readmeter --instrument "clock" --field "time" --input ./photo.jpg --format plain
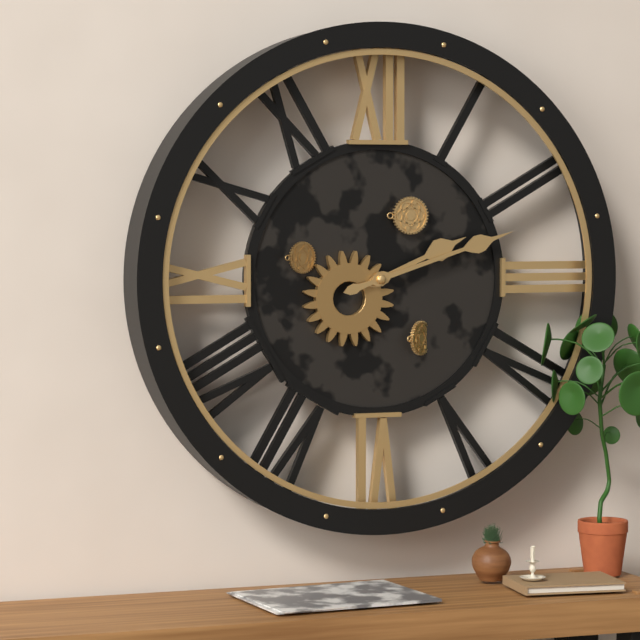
2:12
